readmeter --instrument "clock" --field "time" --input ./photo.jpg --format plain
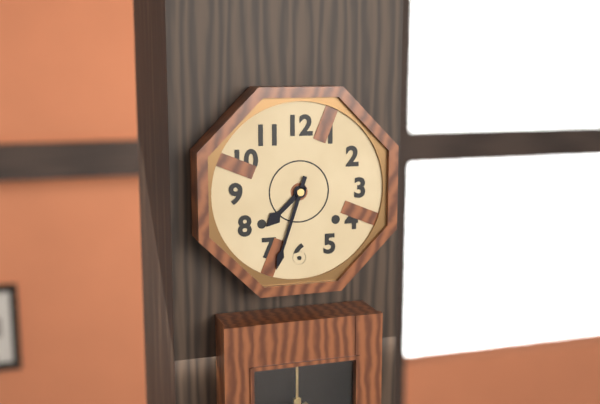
7:33
